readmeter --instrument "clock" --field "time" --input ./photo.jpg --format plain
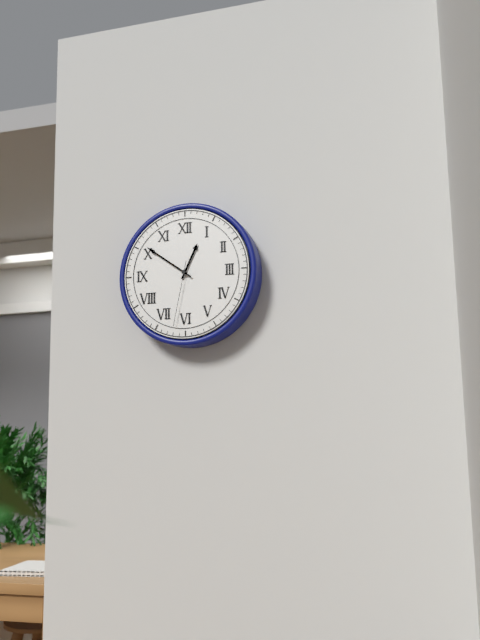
12:51:32
